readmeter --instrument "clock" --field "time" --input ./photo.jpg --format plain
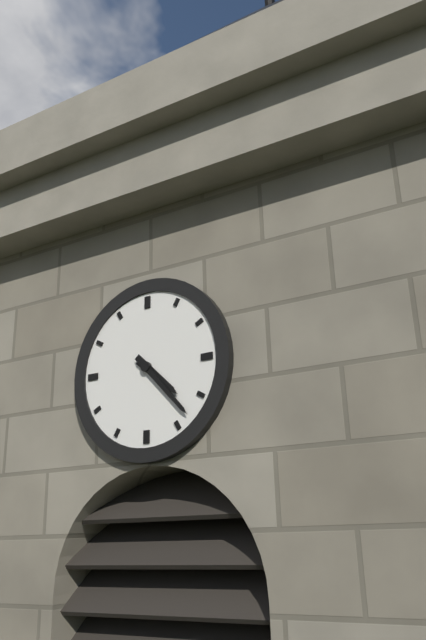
4:23
